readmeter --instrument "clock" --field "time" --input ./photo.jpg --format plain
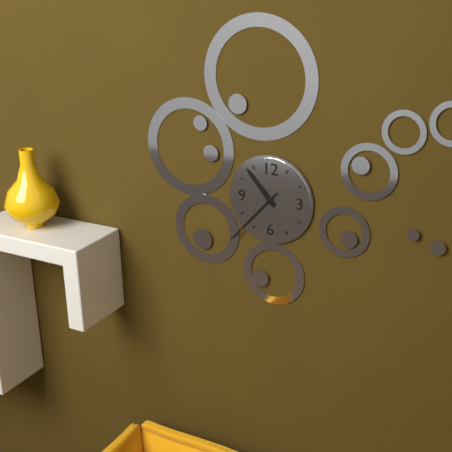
10:37
